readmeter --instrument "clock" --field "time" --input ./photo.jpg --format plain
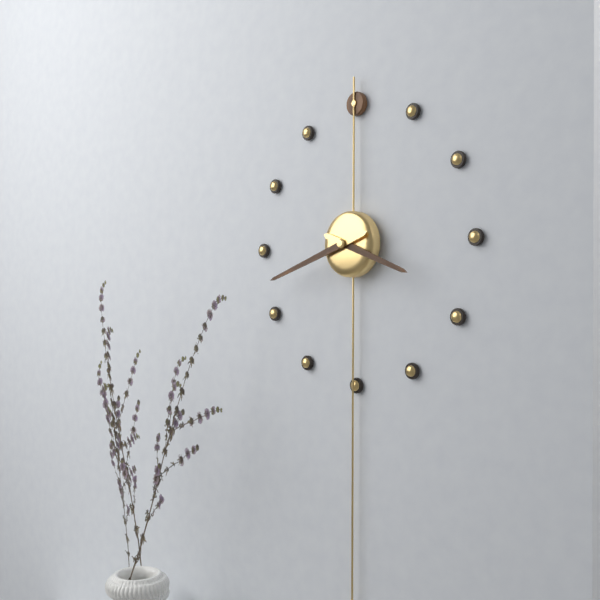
3:42
